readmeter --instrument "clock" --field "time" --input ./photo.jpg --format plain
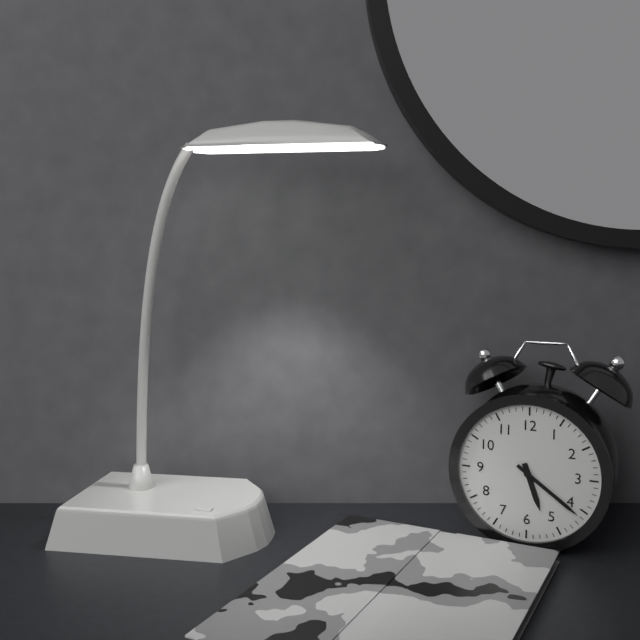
5:21
